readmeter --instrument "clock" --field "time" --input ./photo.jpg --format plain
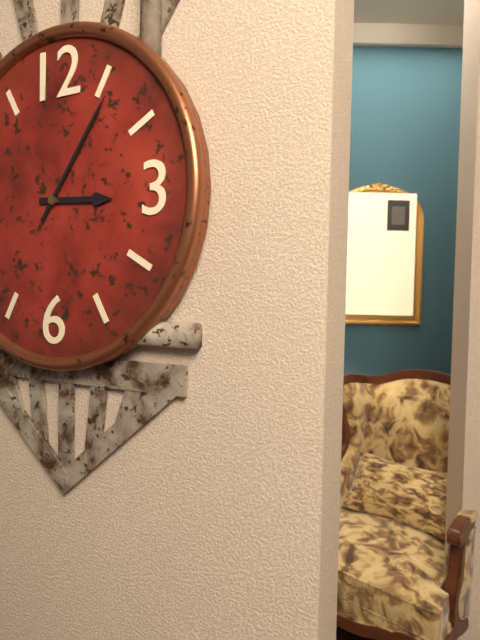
3:06
